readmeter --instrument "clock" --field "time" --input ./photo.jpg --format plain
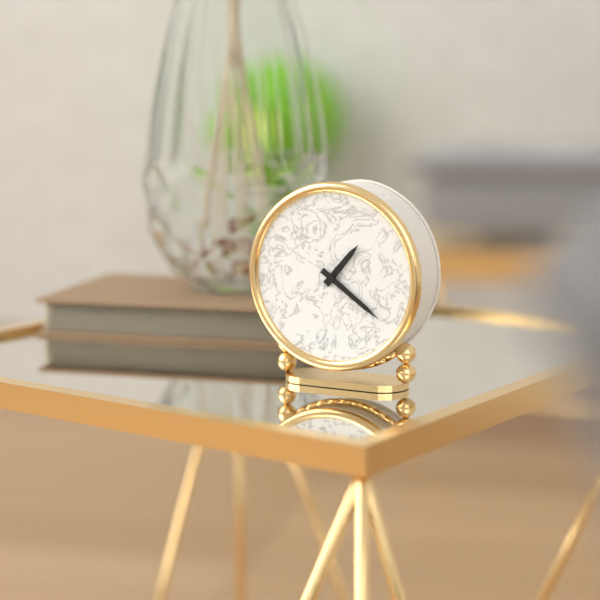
1:21
